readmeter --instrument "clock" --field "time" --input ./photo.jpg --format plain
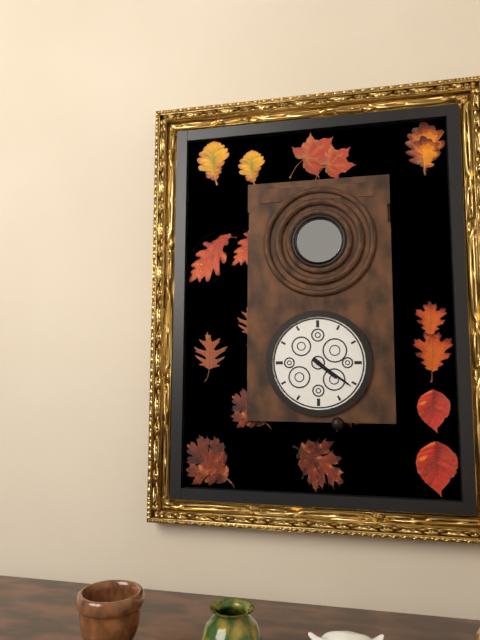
4:21
